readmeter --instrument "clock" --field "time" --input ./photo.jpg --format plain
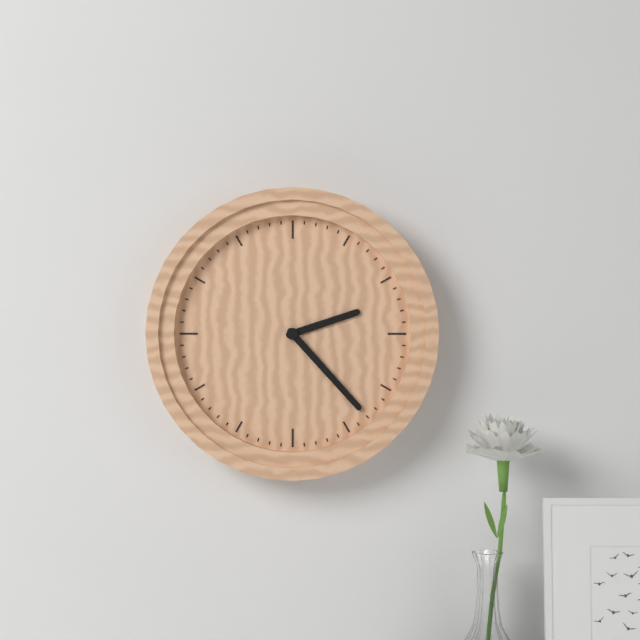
2:23
